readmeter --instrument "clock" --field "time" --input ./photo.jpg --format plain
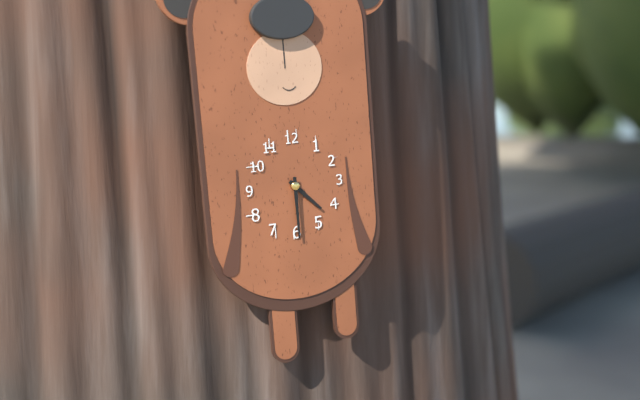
4:30
